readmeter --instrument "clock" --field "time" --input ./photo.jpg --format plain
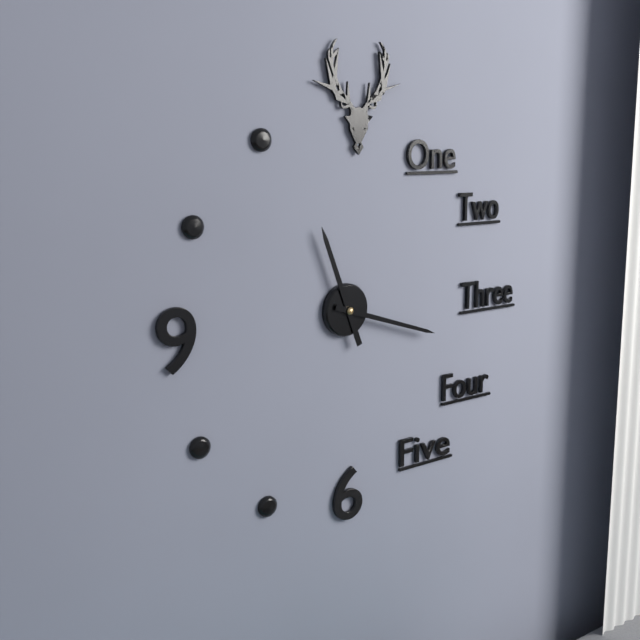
11:18
